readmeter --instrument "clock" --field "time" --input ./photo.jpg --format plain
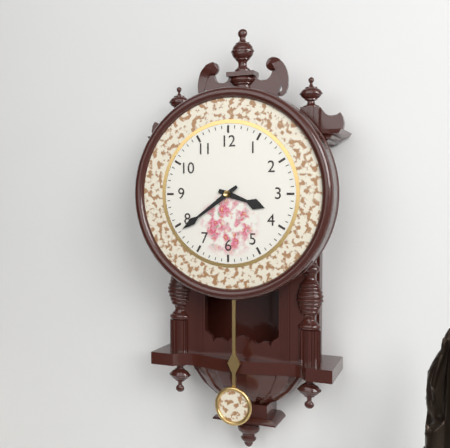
3:39
